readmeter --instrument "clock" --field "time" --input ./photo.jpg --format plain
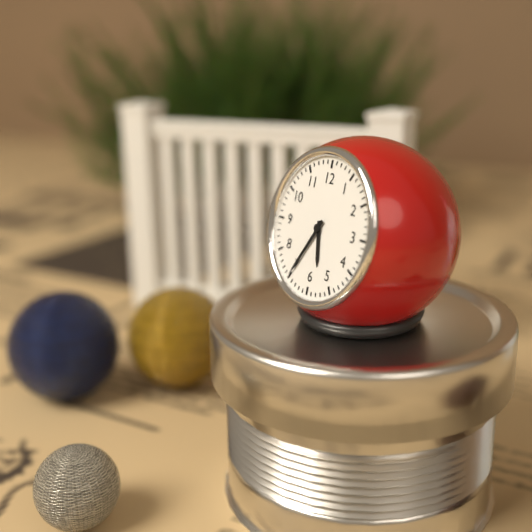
5:35
